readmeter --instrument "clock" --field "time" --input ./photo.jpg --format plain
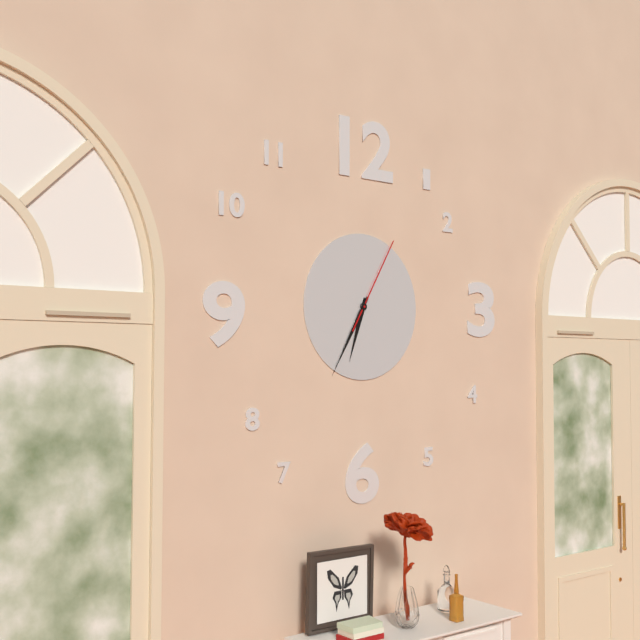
6:35:05
